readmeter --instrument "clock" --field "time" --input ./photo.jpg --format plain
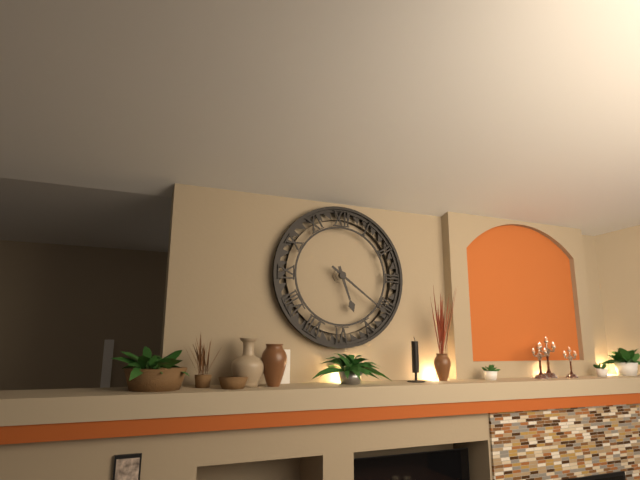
5:21
